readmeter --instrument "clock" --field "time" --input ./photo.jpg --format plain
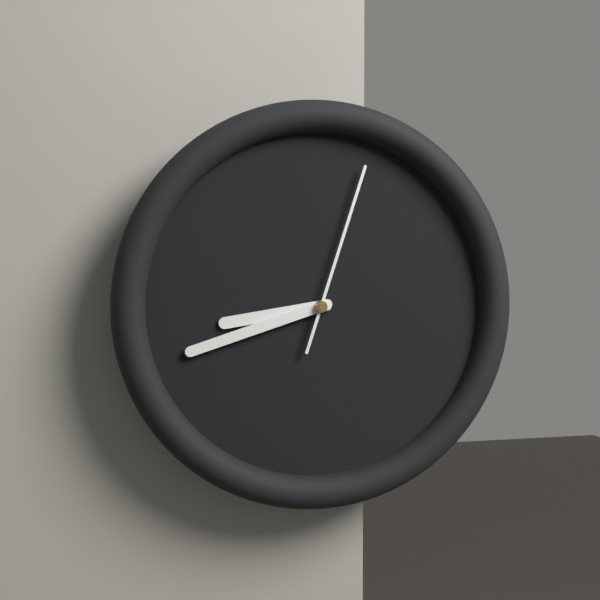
8:42:03
